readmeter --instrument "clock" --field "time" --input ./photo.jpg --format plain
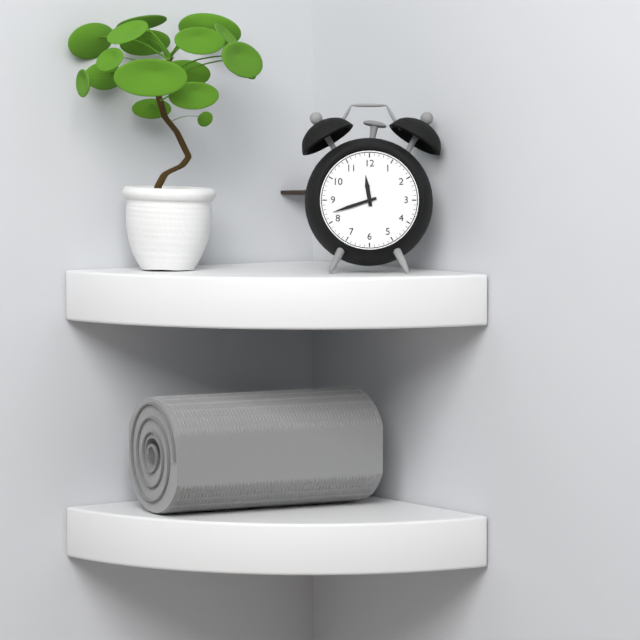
11:42
